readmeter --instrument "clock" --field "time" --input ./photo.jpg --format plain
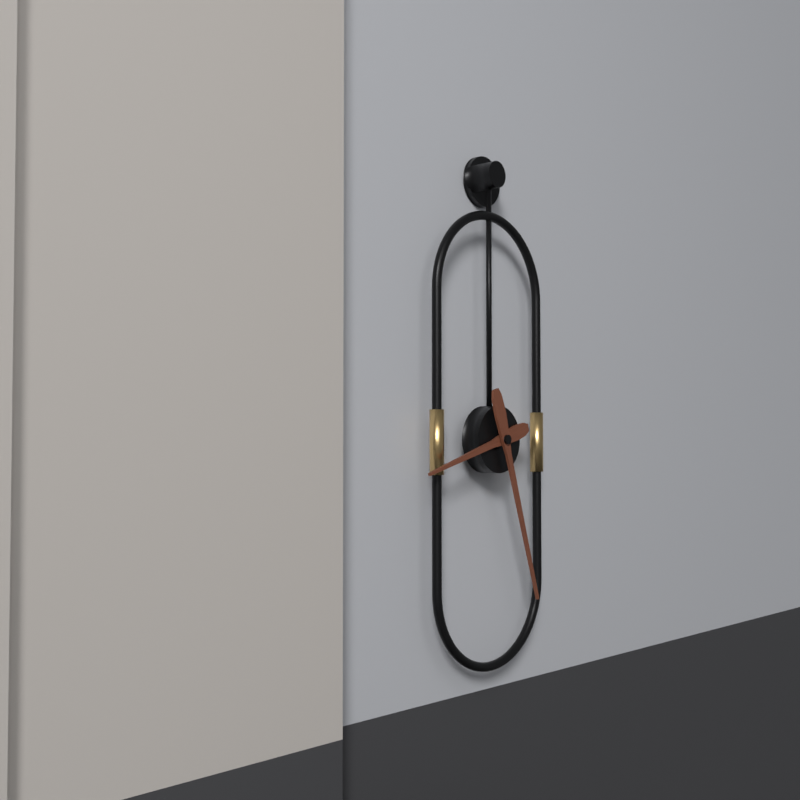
8:27
